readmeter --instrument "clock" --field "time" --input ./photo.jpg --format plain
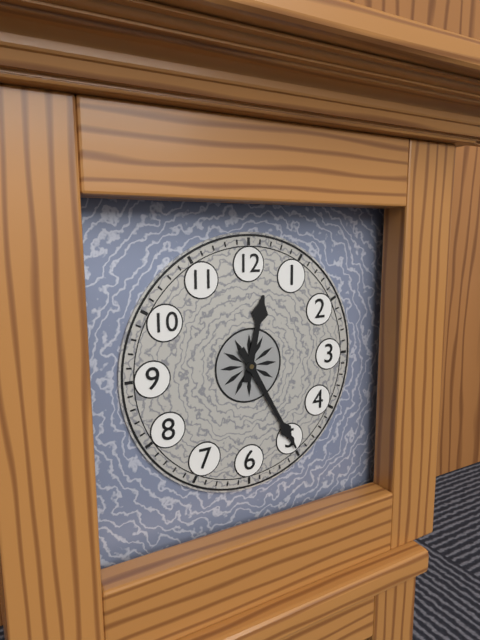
12:25
